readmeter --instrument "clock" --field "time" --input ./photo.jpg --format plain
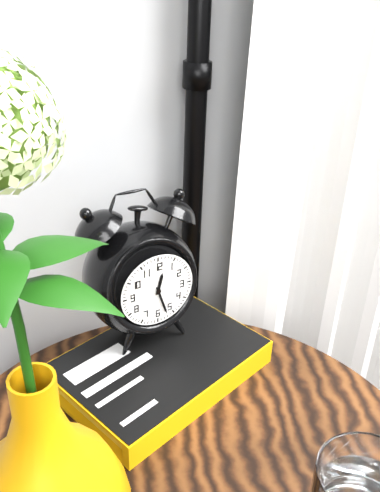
12:27
